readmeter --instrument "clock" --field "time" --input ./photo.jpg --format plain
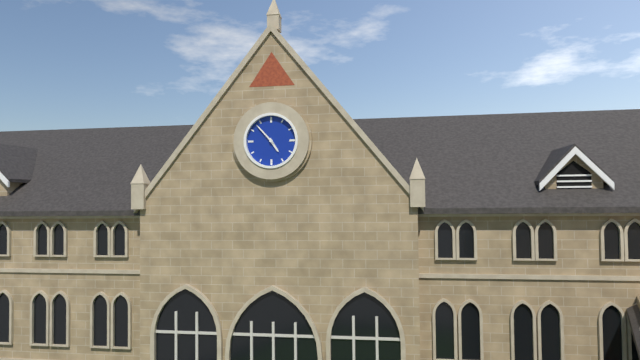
4:53
